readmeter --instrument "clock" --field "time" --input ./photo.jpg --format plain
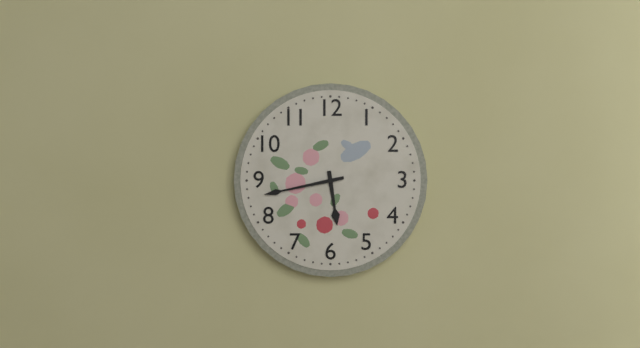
5:43
